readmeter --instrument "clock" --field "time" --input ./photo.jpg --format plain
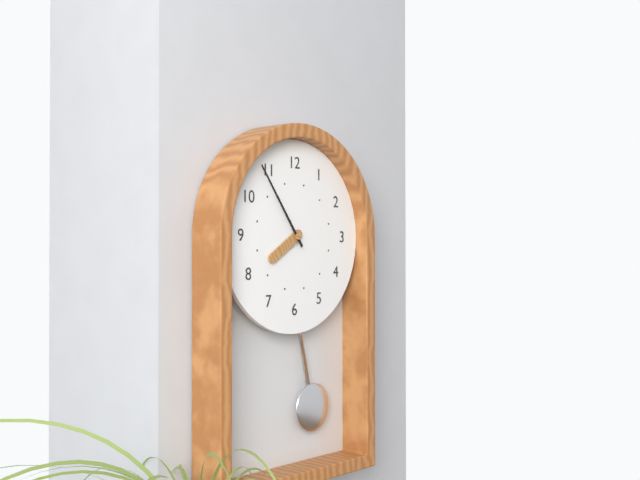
7:54
